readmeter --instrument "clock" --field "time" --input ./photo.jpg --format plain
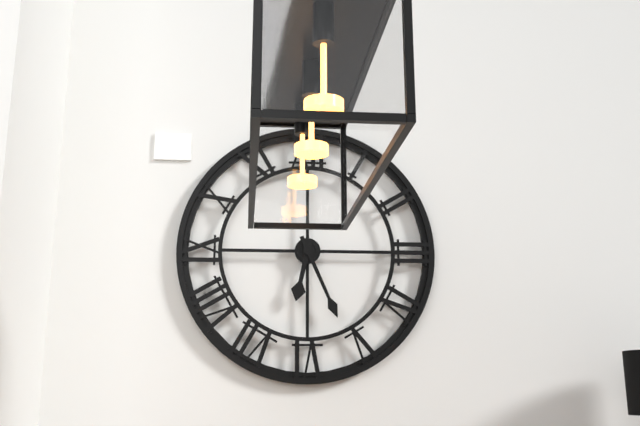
6:26
